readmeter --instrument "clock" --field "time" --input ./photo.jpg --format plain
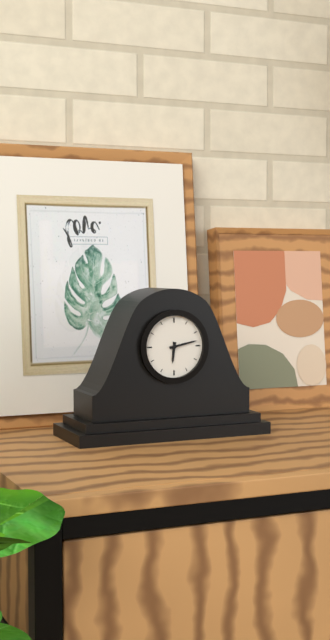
6:13
